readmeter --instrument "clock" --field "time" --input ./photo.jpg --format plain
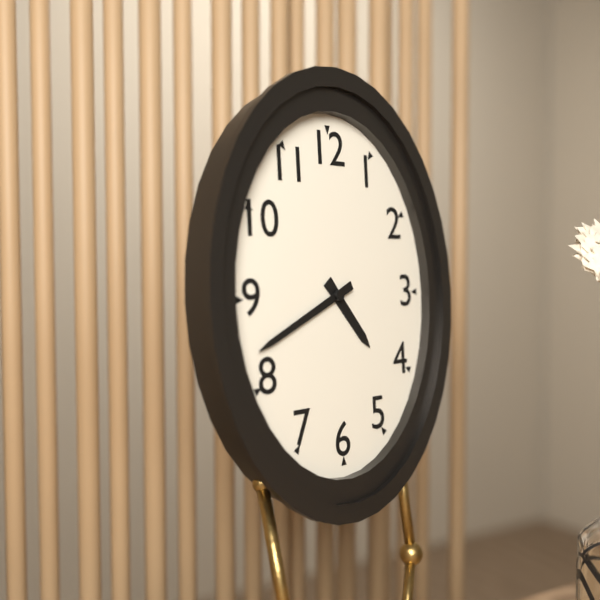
4:41
